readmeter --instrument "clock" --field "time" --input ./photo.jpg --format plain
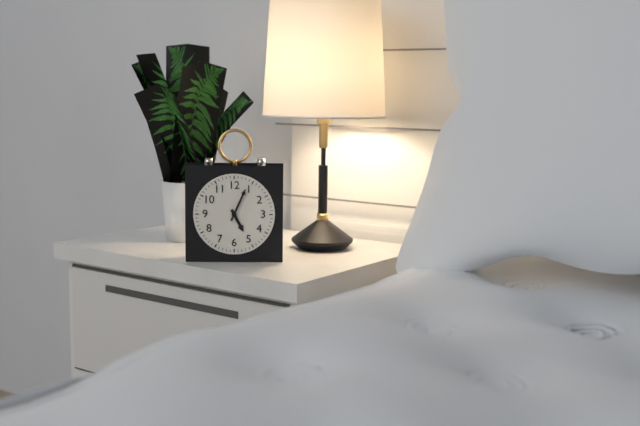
5:04
